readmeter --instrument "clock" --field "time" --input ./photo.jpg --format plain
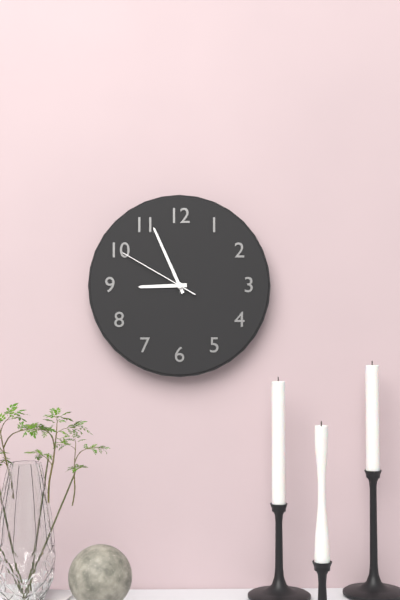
8:56:50
